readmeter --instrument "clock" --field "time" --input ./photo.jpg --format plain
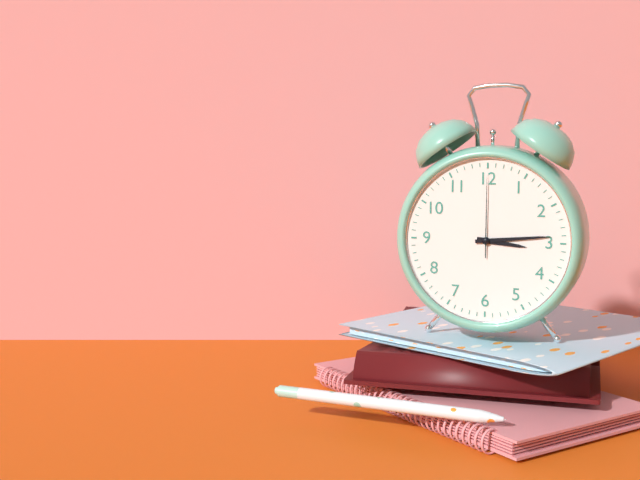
3:14:00
